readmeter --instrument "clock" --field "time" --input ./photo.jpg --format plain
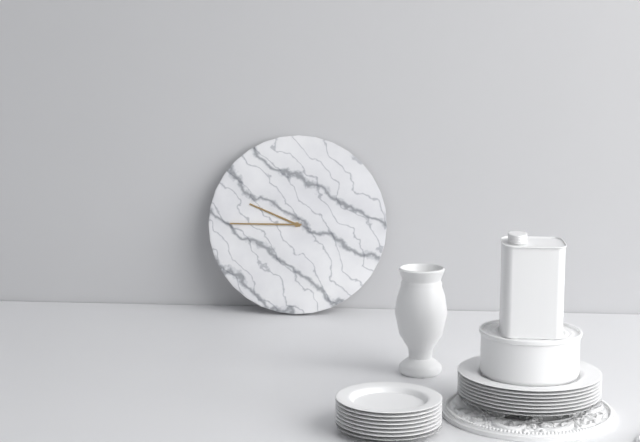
9:45
